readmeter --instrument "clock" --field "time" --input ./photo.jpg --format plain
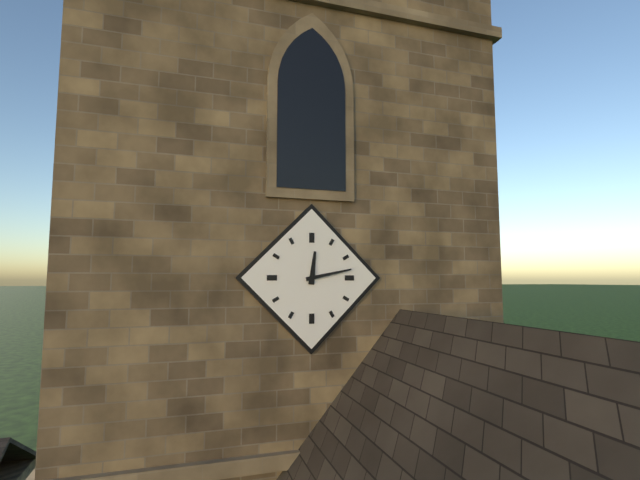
12:13
